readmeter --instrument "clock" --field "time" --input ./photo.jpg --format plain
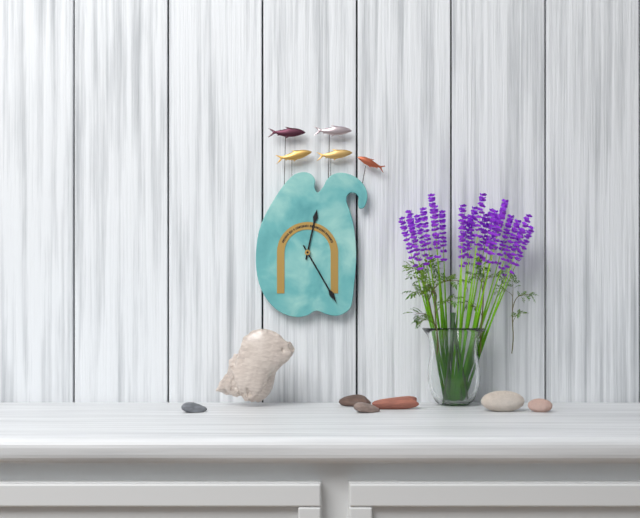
12:25
